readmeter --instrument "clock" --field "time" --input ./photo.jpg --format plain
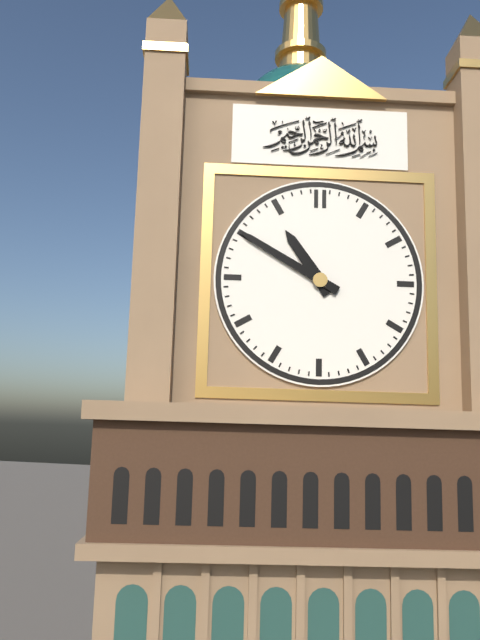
10:50
